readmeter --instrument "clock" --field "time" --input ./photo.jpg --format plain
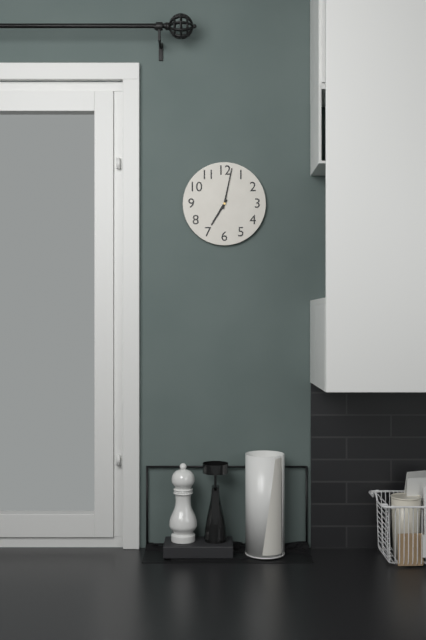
7:02
